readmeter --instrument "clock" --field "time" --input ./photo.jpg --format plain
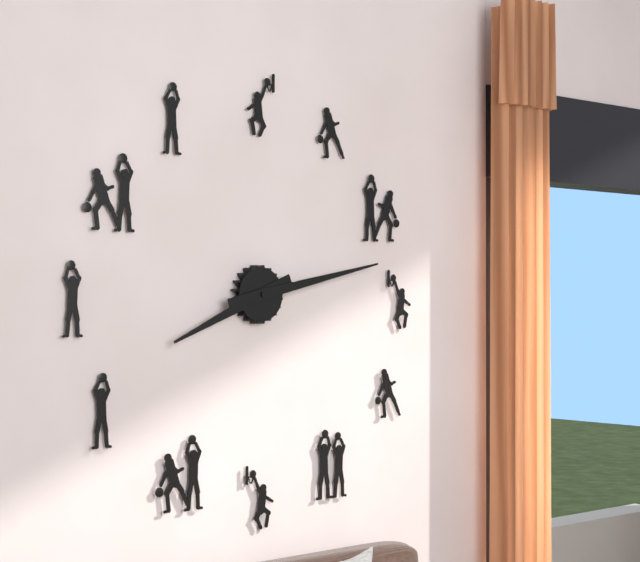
8:13
